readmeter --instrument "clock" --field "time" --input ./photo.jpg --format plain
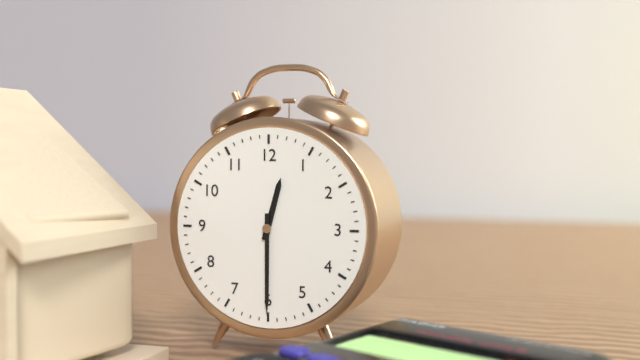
12:30
